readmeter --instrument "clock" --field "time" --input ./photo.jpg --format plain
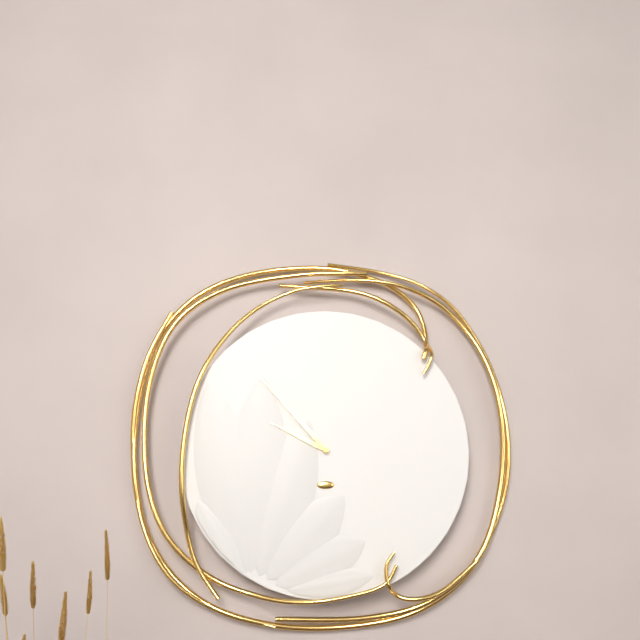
9:53
